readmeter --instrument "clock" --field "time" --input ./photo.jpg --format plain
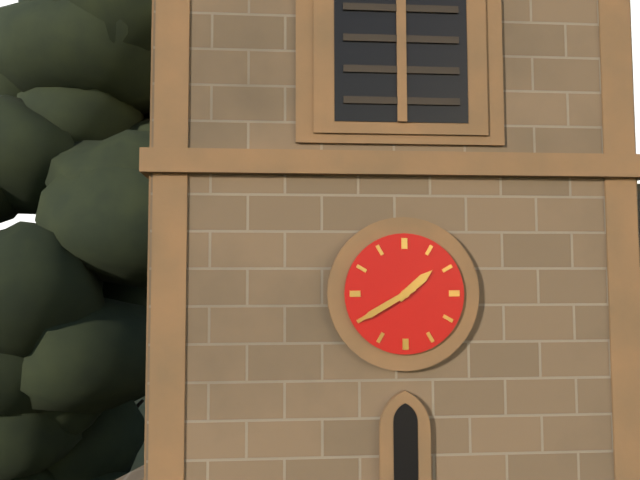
1:40
